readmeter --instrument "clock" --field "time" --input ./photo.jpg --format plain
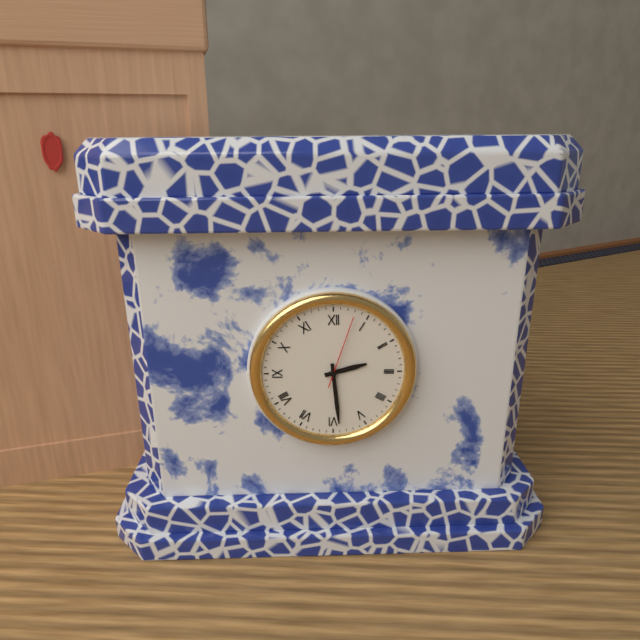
2:29
